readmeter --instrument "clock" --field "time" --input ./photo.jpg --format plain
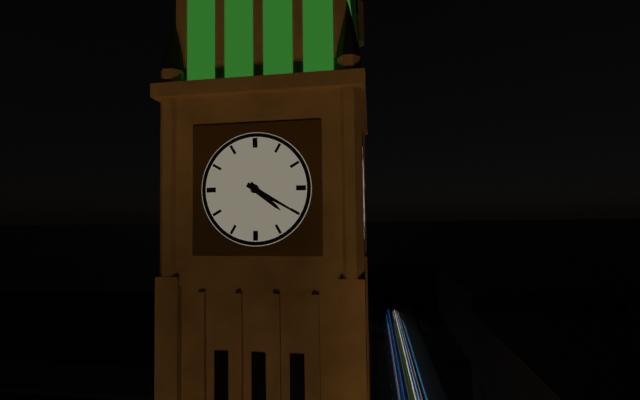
4:20
